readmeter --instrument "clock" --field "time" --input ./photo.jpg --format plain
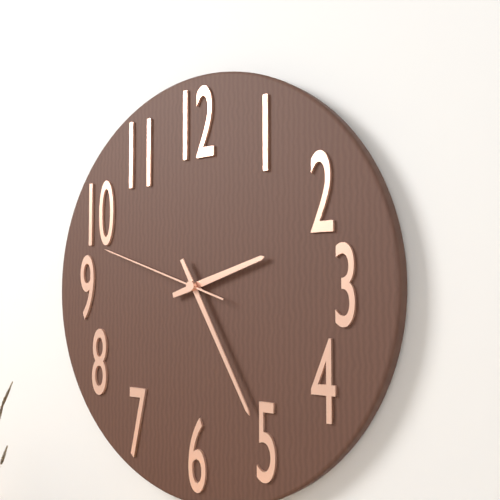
2:25:48
